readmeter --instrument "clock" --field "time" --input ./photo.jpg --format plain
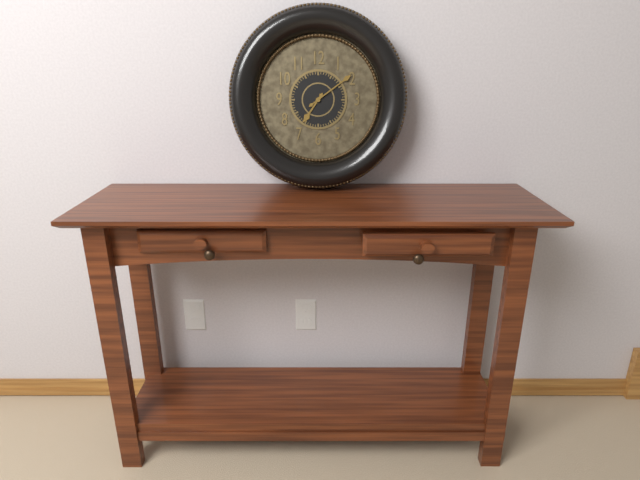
7:09
